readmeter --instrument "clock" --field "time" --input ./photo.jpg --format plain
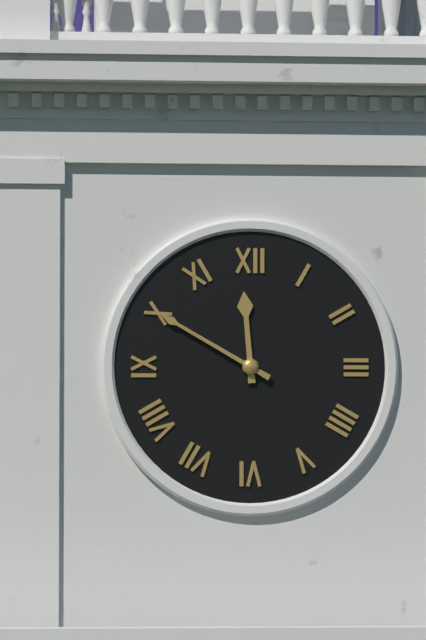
11:50
